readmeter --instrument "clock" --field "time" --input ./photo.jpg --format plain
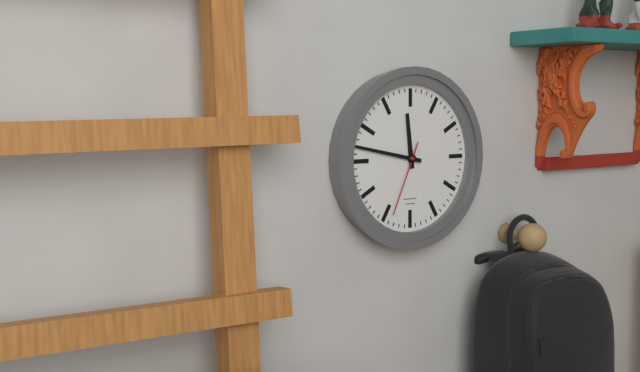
11:47:34
